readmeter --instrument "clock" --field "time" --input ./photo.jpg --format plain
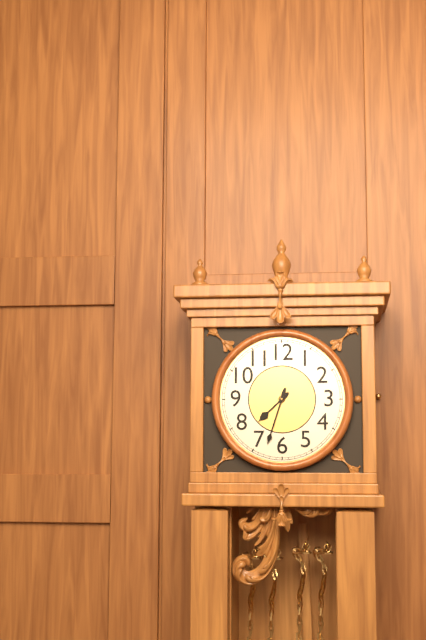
7:33
